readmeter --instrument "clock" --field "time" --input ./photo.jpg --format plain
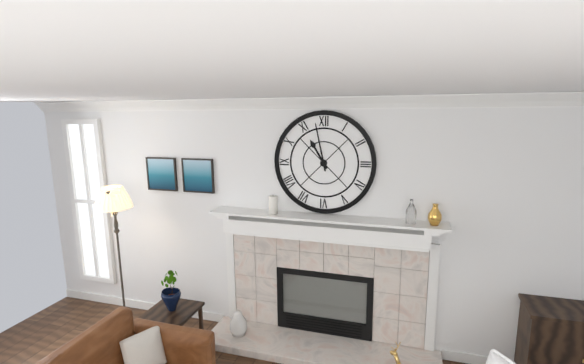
10:58
